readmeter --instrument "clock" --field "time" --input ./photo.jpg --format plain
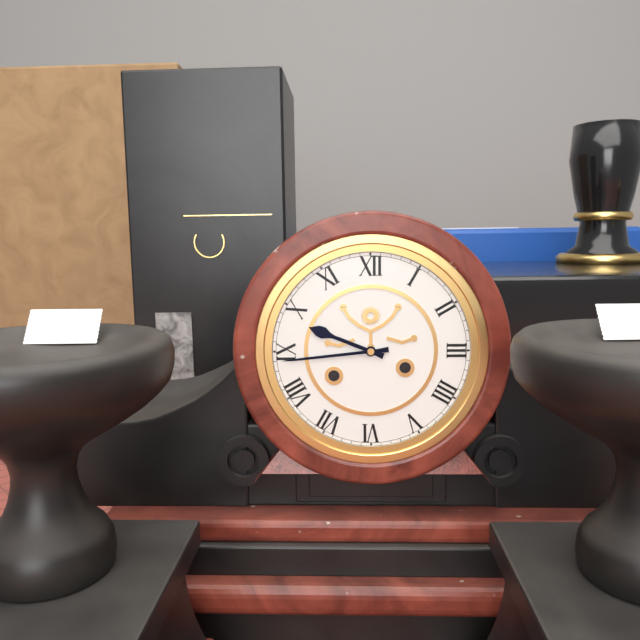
9:44
